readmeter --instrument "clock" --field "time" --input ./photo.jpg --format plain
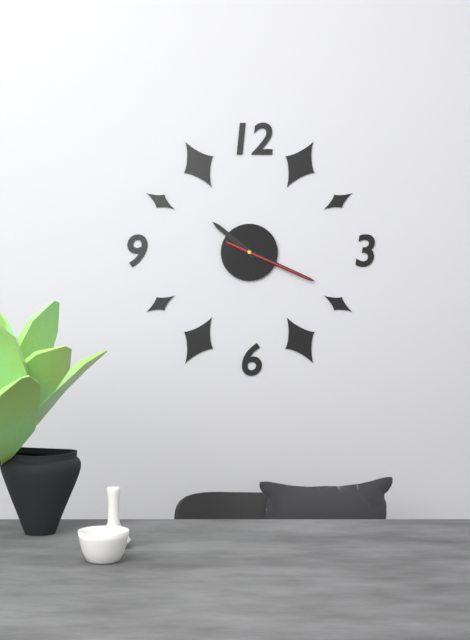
10:19:19
